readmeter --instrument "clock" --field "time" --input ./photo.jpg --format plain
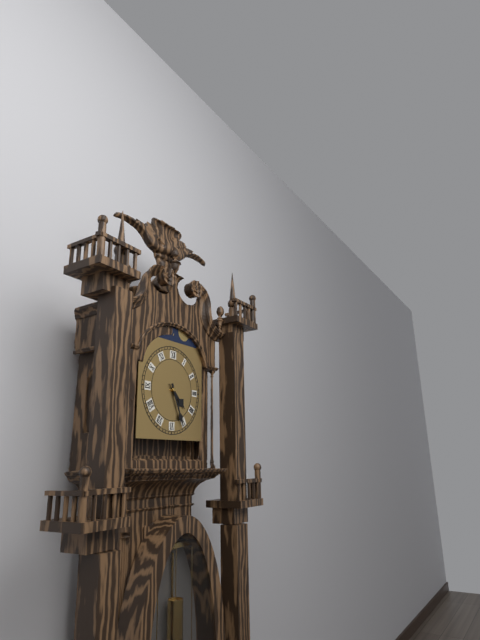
4:26
